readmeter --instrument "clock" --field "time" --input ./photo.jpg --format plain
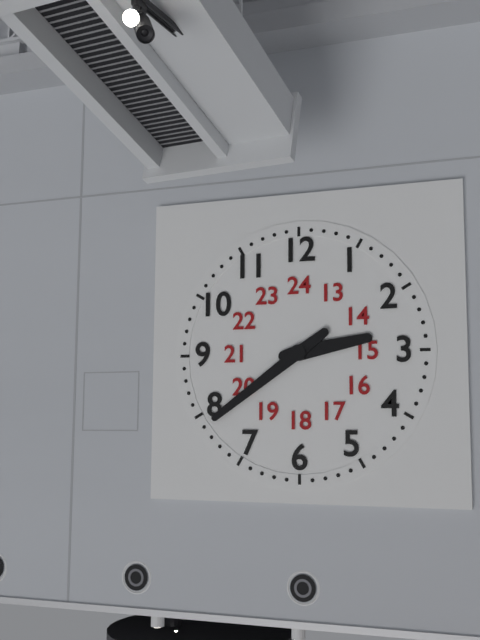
2:39
